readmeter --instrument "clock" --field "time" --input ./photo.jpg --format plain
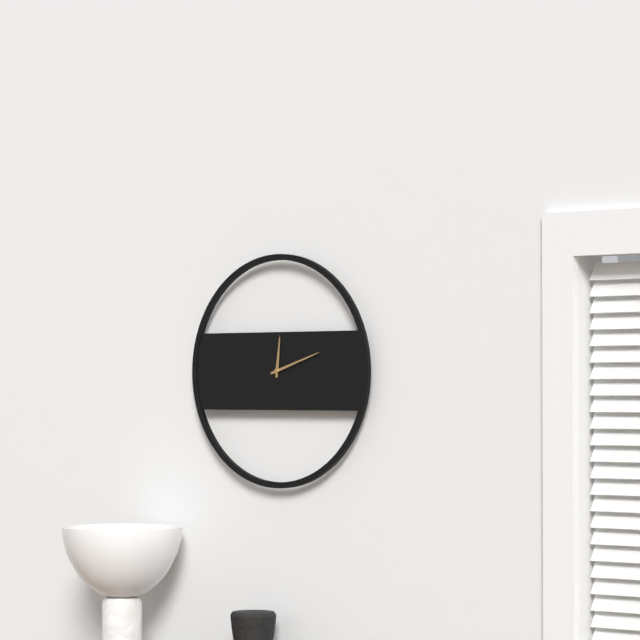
12:12
